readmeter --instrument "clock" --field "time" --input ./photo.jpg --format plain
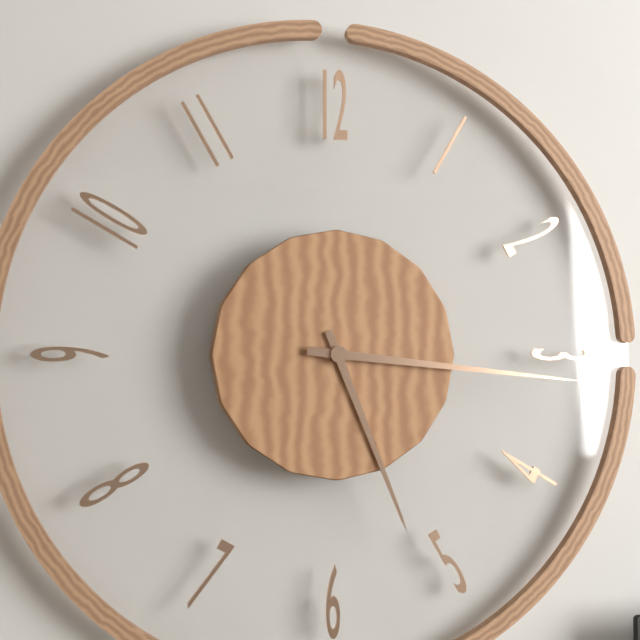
5:16
